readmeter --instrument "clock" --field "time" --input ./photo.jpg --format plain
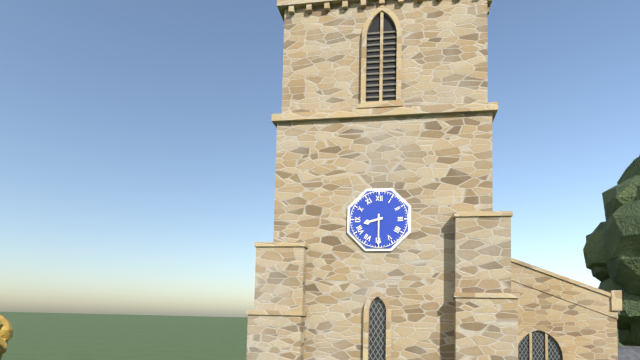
8:30
